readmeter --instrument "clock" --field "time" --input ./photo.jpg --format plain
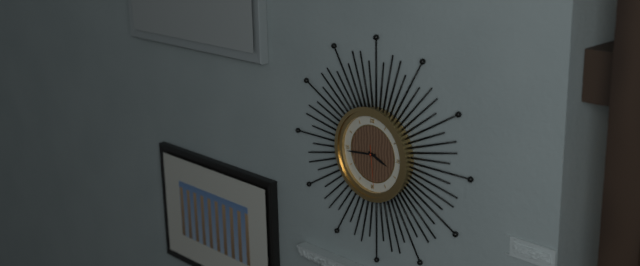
3:44
